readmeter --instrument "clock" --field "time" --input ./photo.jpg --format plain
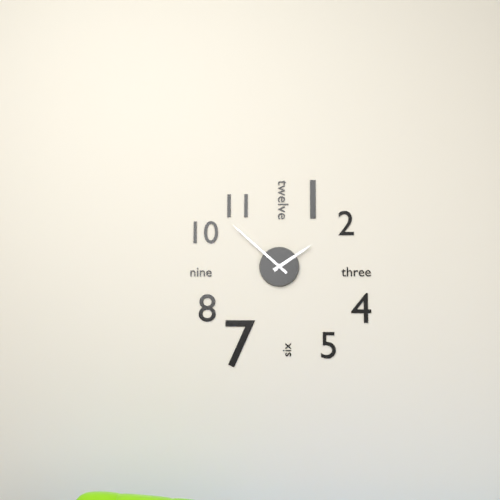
1:52
